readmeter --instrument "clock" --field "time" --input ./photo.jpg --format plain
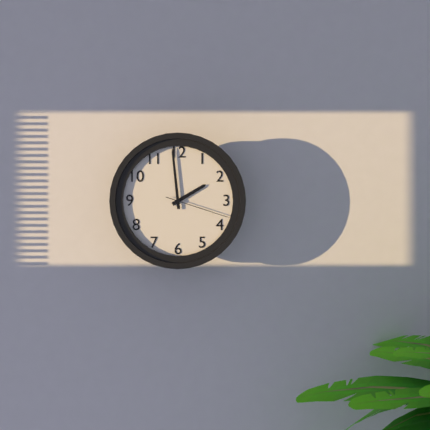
1:59:18
